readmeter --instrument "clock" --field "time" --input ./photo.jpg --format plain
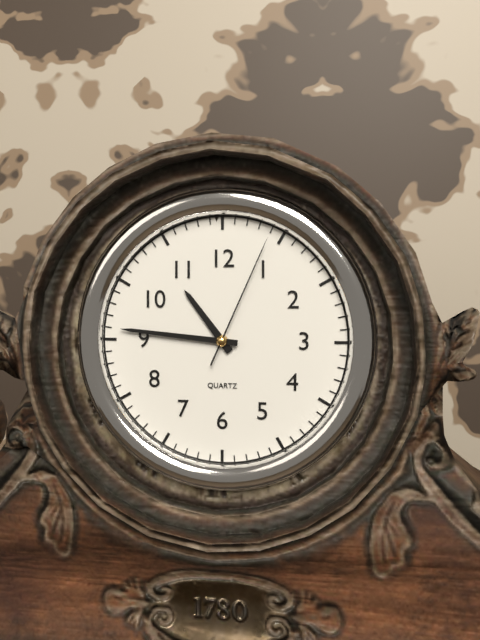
10:46:04
